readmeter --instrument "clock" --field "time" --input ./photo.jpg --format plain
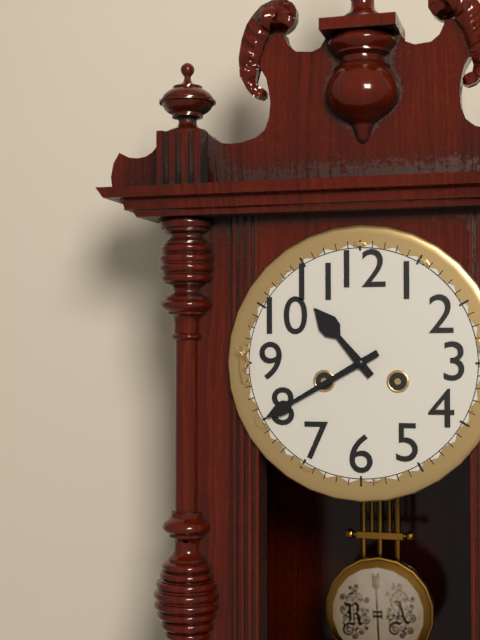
10:40
